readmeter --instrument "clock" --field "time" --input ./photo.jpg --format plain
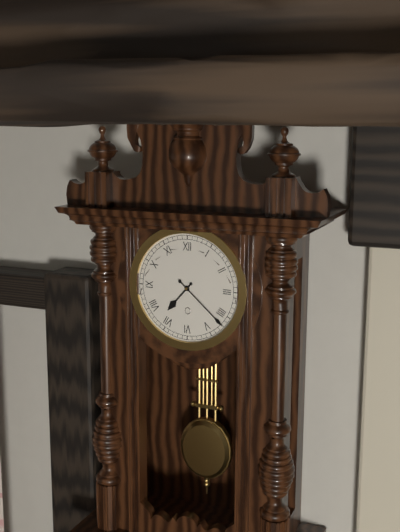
7:22
